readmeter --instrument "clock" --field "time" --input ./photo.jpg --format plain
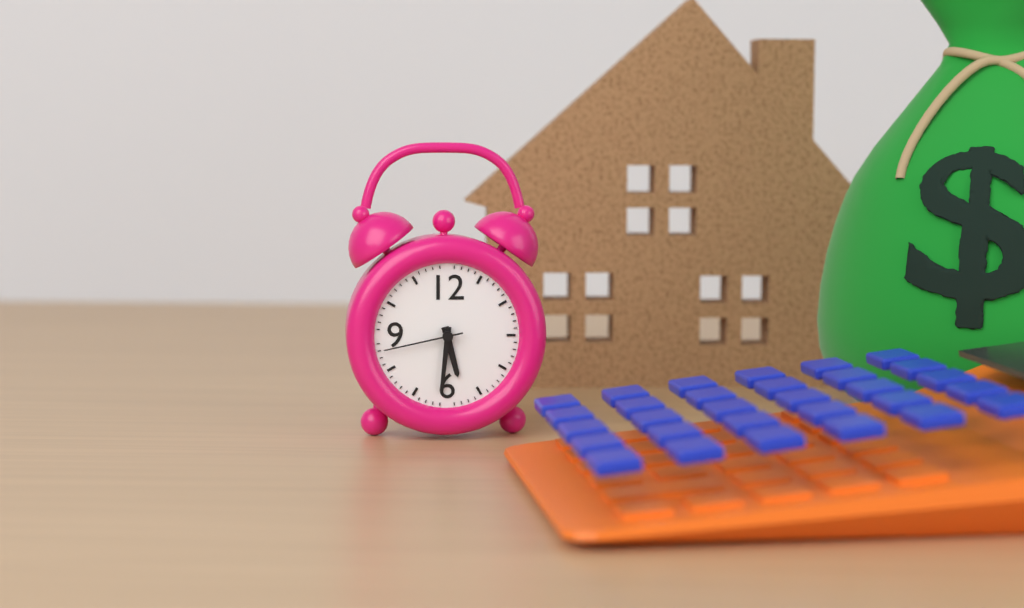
5:31:43
